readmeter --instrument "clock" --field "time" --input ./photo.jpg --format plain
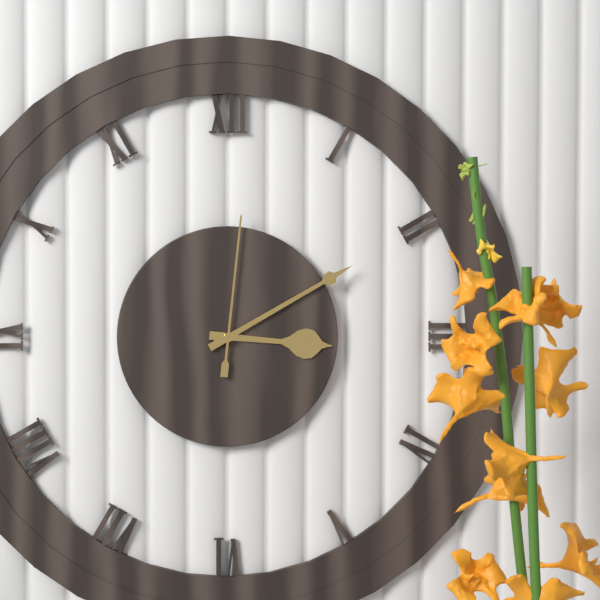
3:10:01
